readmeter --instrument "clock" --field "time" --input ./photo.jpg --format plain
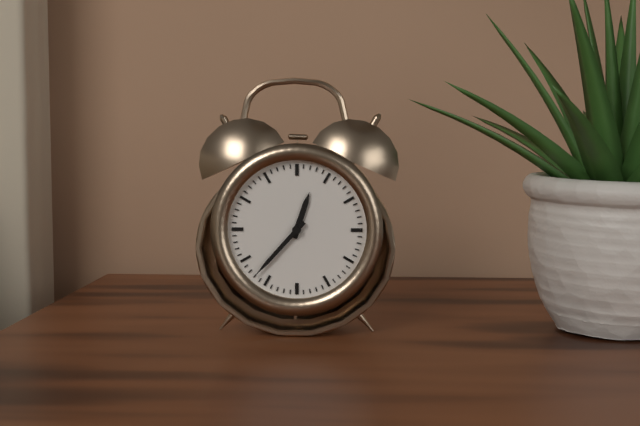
12:37
